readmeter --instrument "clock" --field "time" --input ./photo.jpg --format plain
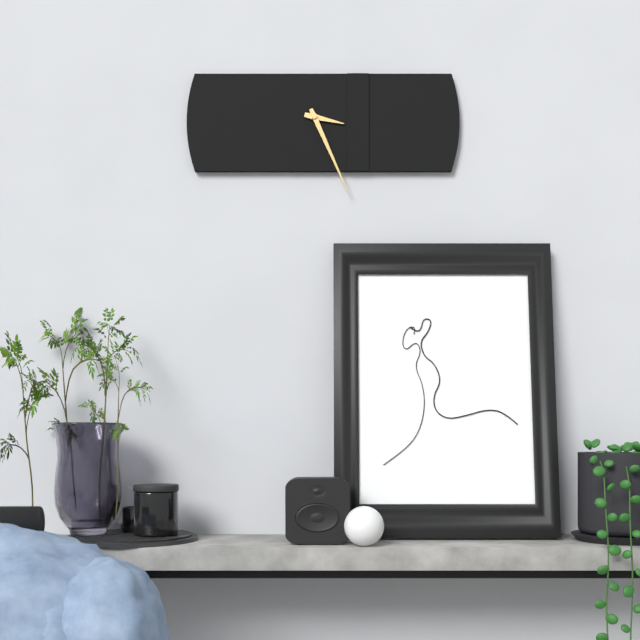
3:26
